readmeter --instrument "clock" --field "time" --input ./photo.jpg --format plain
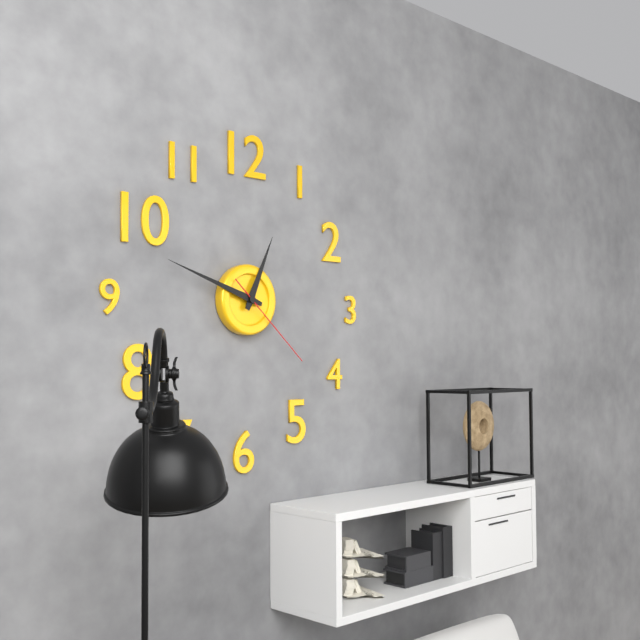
12:48:22
